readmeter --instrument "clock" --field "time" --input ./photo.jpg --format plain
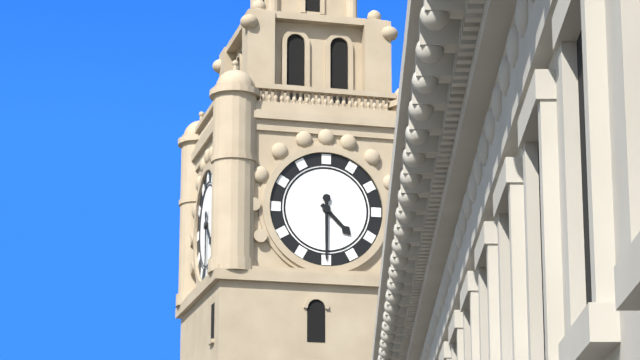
4:30
